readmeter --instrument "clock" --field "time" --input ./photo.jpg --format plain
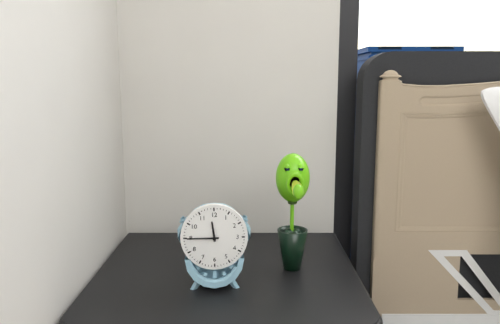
11:45
